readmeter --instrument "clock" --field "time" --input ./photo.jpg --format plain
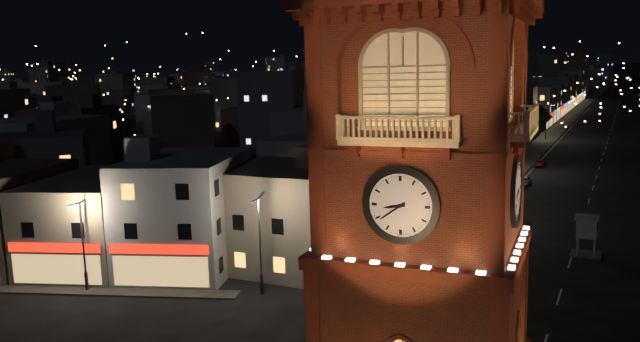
8:39
